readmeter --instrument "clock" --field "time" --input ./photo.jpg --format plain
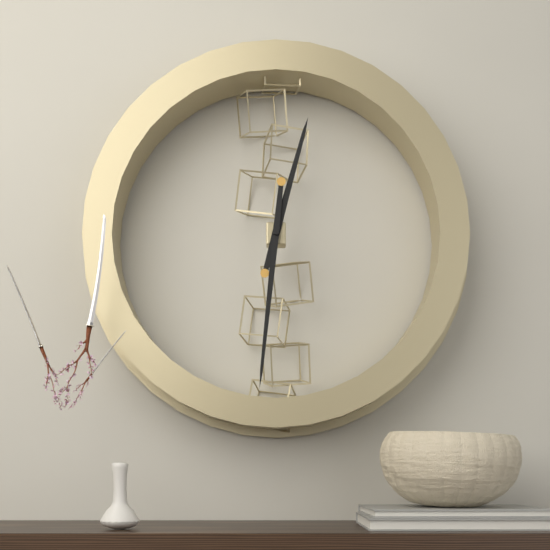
12:31
